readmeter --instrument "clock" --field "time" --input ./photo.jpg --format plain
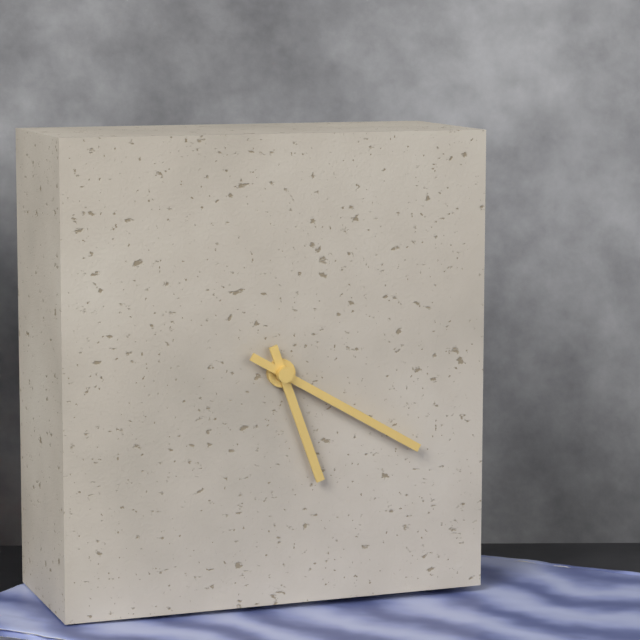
5:20
